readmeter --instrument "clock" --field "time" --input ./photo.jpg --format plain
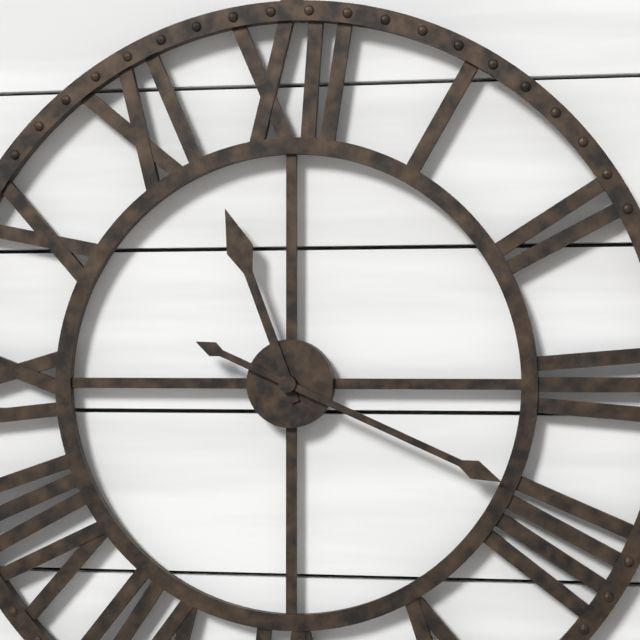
11:19
